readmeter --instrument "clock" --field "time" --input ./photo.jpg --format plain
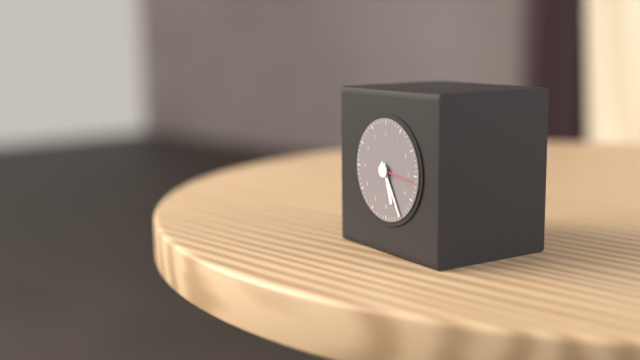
5:25
